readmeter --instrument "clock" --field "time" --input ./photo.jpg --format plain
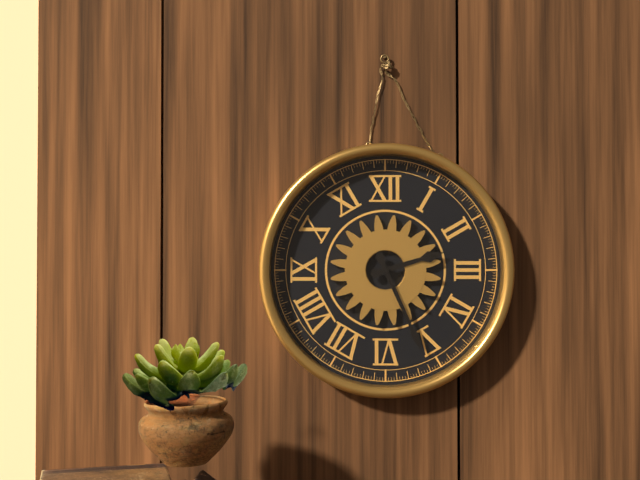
2:26
